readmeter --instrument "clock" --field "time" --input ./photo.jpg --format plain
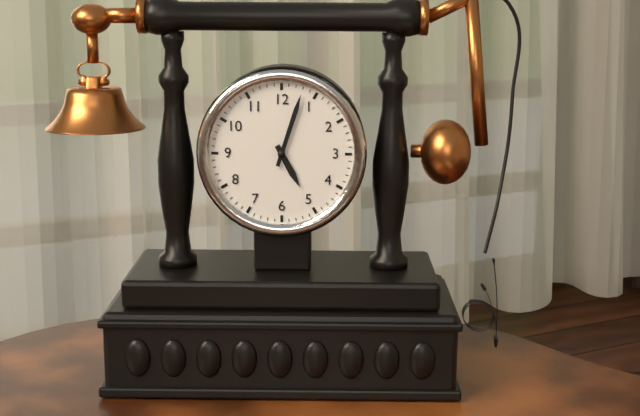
5:03
